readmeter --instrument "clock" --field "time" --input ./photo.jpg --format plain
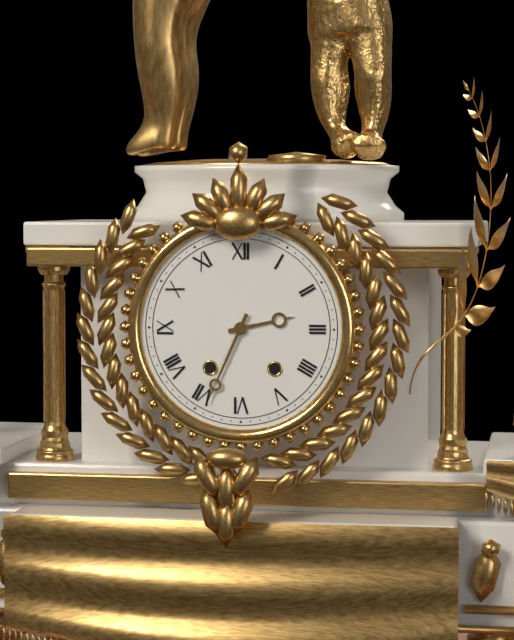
2:34
